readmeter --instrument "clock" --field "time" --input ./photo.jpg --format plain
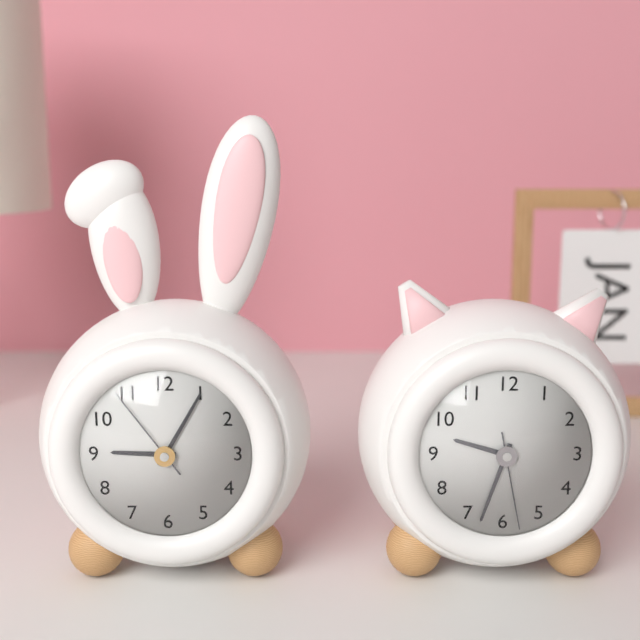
9:05:54
